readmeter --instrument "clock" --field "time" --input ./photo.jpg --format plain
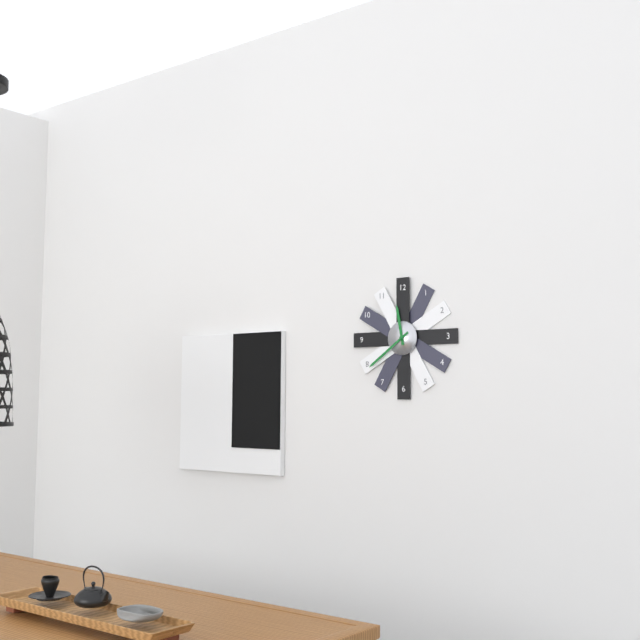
11:39
